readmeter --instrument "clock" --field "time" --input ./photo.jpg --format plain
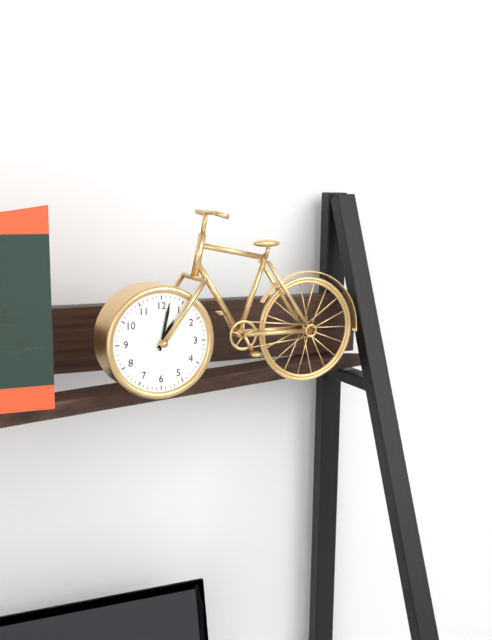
1:02
